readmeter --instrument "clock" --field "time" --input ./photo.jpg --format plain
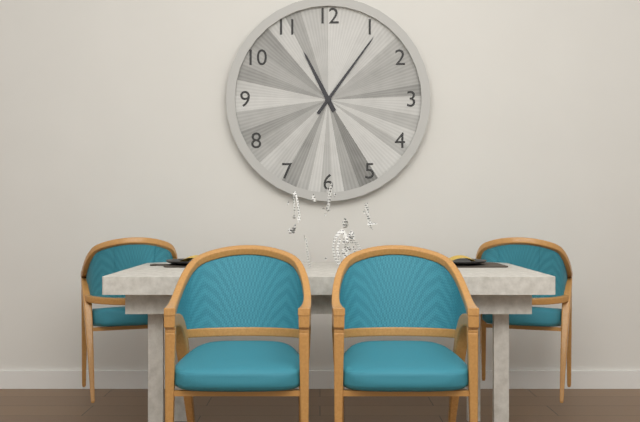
11:06
